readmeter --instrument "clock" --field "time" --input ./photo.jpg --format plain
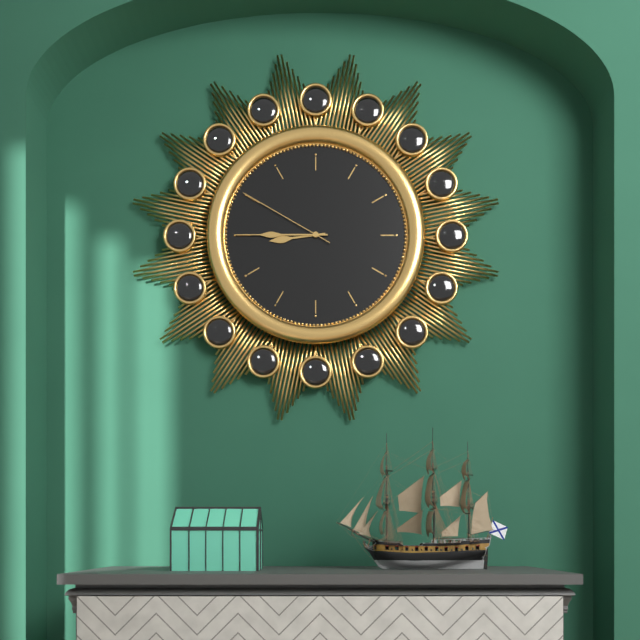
8:45:50
